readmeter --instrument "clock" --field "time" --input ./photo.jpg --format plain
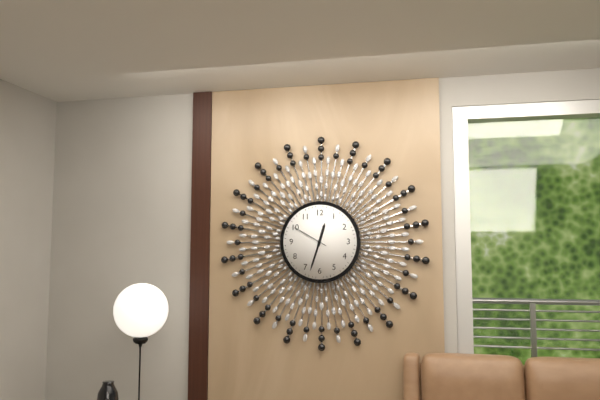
12:33
